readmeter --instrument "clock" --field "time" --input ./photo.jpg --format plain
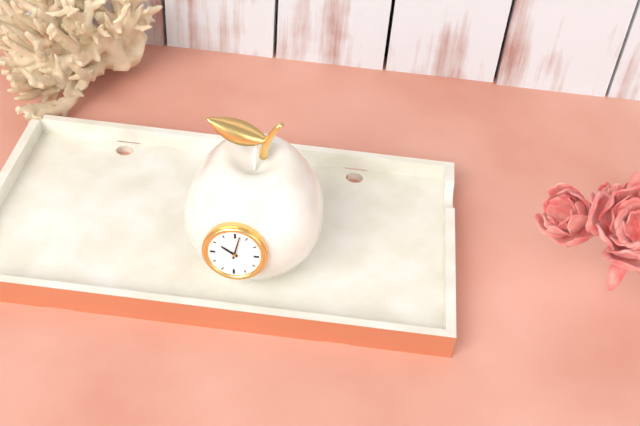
10:02
